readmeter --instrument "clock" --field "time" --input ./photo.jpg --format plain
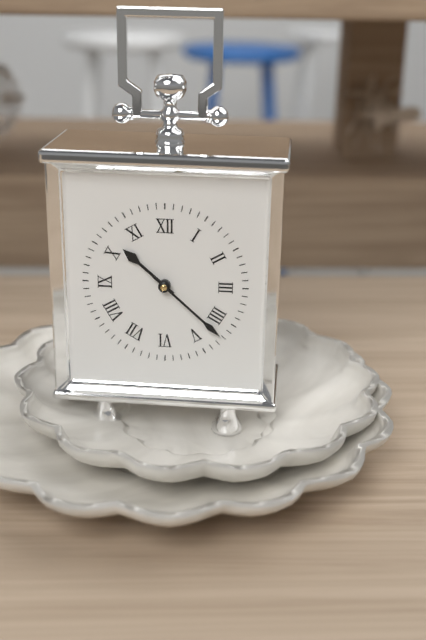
10:22
